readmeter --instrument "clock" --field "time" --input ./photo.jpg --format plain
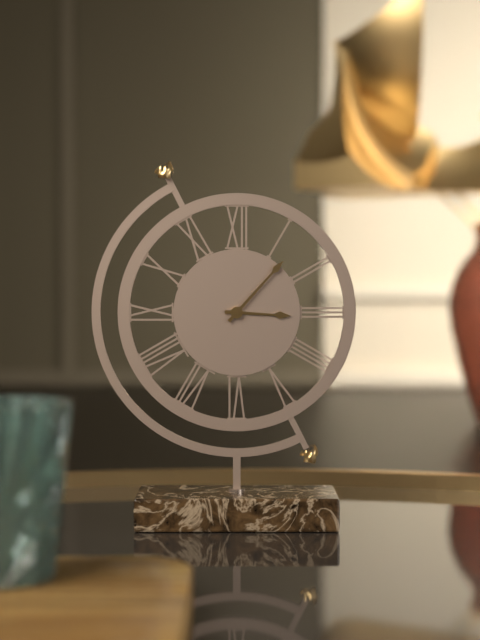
3:07
